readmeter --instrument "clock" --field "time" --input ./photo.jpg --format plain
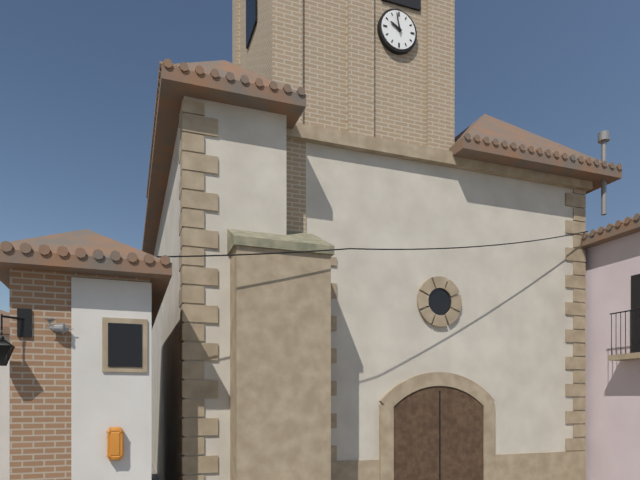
9:58
